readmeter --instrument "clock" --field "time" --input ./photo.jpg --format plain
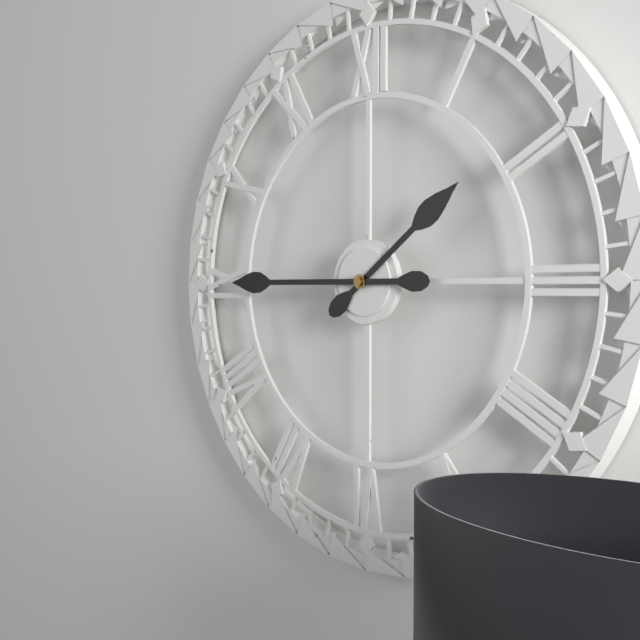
1:45
